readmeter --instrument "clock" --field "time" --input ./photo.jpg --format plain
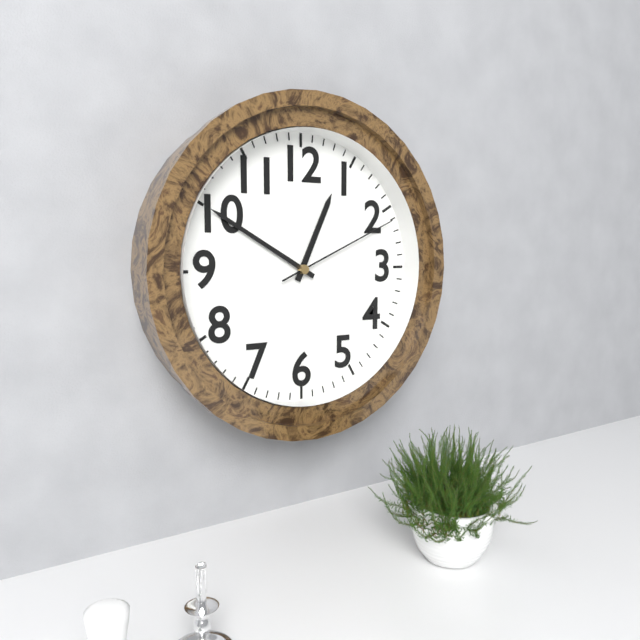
12:50:11
